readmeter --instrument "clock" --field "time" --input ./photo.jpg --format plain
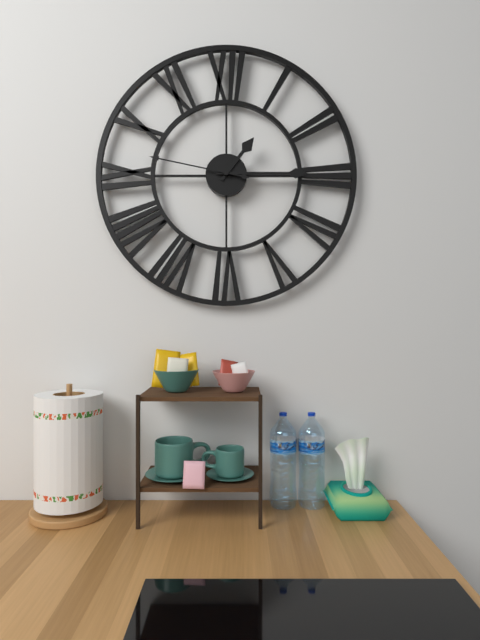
1:15:47
